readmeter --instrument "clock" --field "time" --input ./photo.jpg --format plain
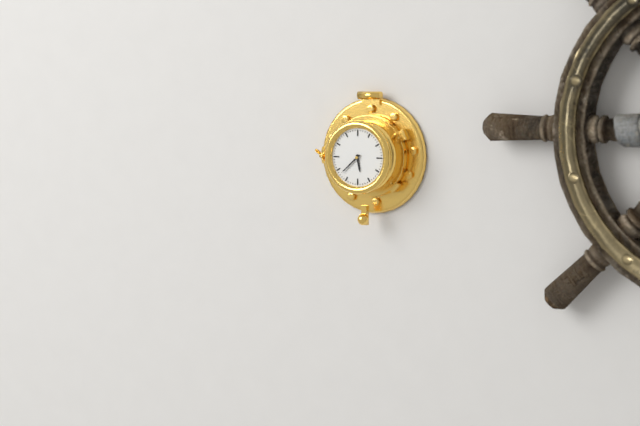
5:38
